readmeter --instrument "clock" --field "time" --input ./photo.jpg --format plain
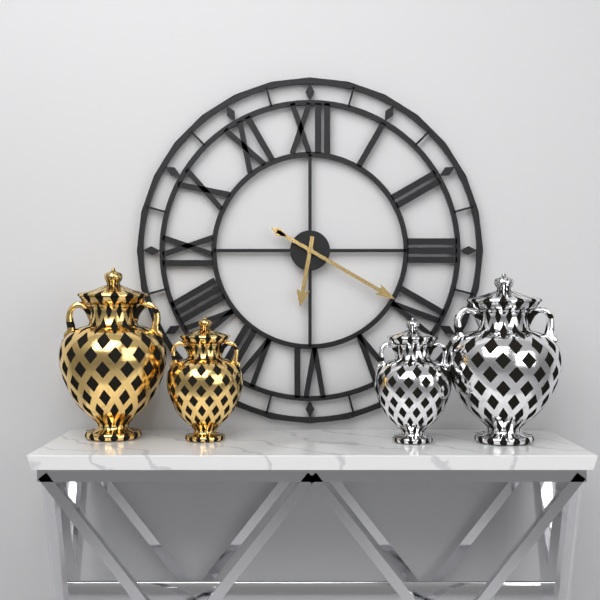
6:20
